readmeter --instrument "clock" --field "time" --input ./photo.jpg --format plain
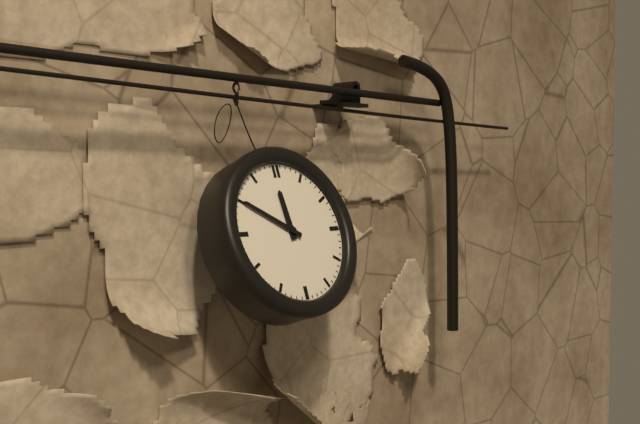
11:50
